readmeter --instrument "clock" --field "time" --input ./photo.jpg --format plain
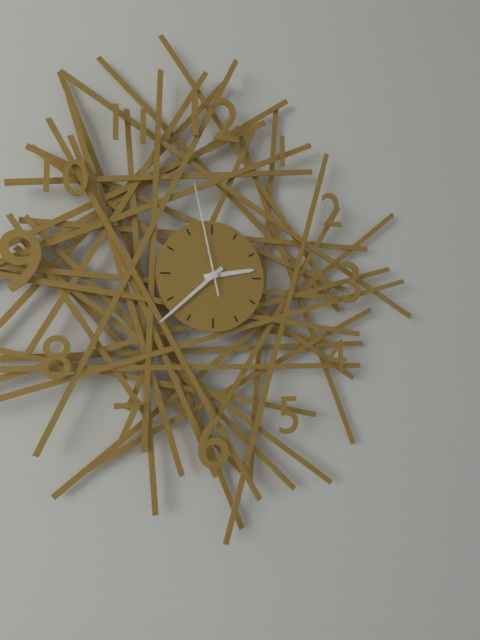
2:38:58
